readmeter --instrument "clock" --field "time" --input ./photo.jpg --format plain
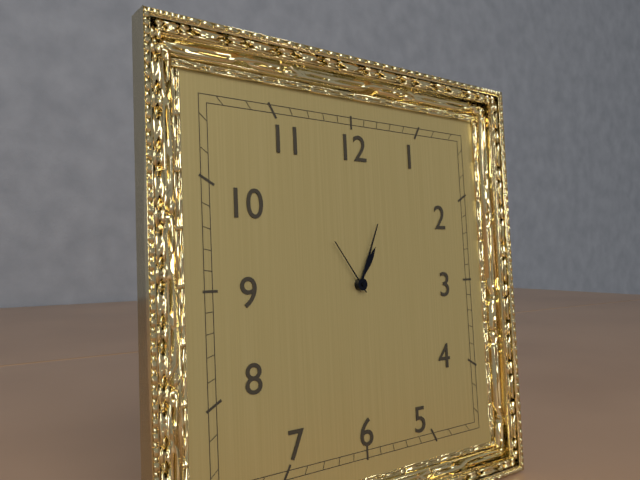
1:04:54
